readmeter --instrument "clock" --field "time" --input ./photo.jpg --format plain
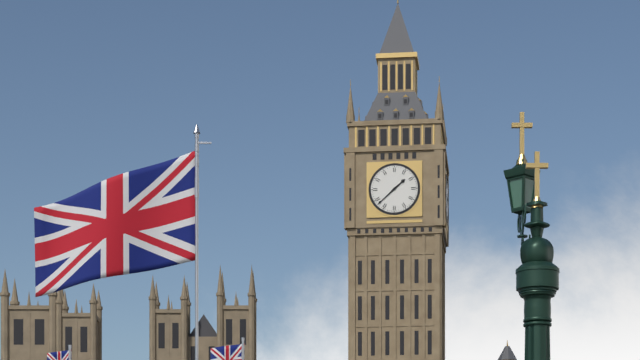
1:38
